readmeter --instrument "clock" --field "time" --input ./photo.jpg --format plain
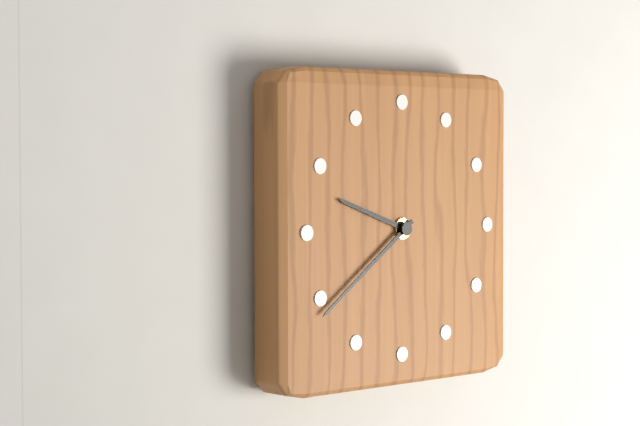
9:39
